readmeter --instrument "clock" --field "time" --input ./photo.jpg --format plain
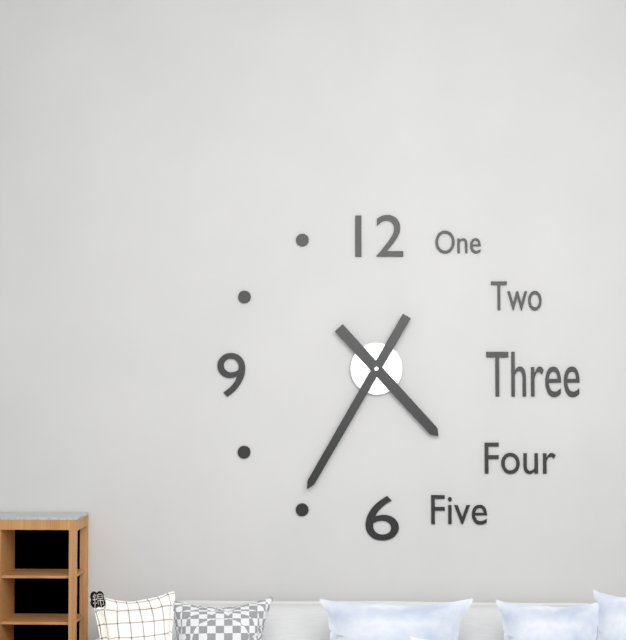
4:35
